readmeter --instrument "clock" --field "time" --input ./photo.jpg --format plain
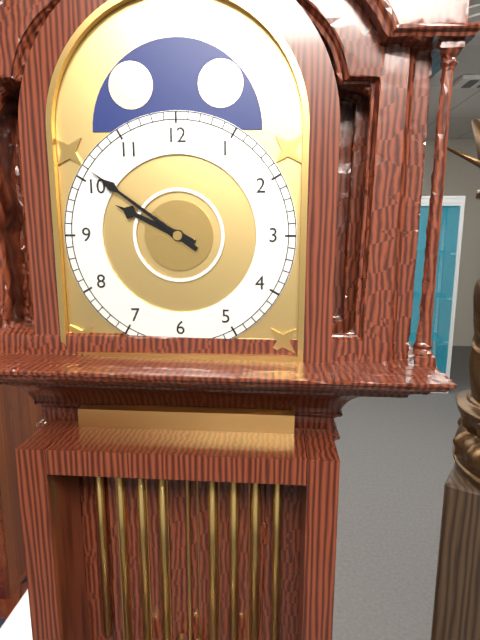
9:51
